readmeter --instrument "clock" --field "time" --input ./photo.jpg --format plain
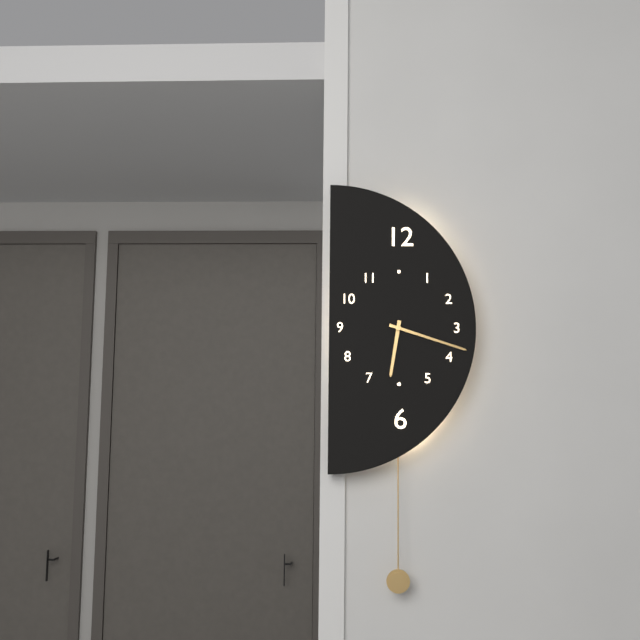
6:18
